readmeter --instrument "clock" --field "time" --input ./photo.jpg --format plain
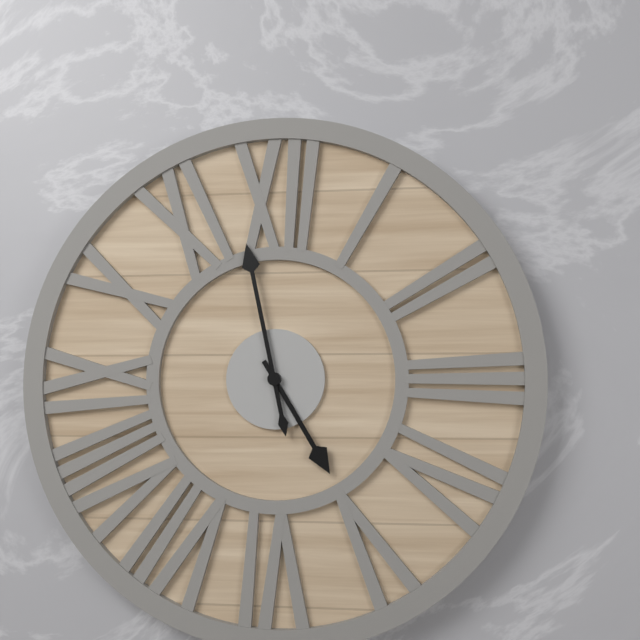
4:58
